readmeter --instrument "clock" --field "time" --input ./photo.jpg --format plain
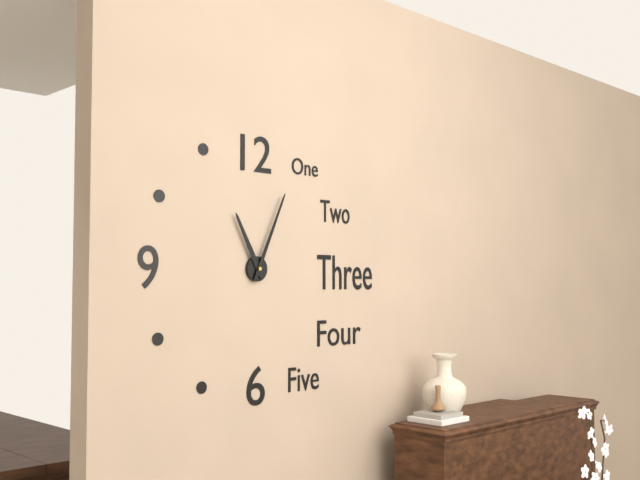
11:04
